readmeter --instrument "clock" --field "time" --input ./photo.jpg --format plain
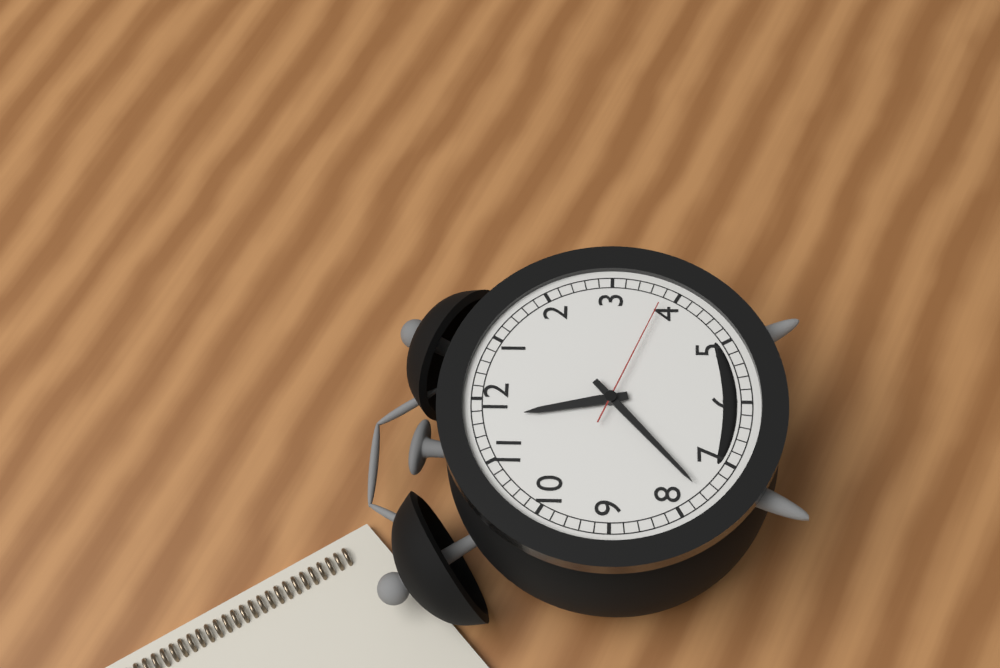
11:38:19
